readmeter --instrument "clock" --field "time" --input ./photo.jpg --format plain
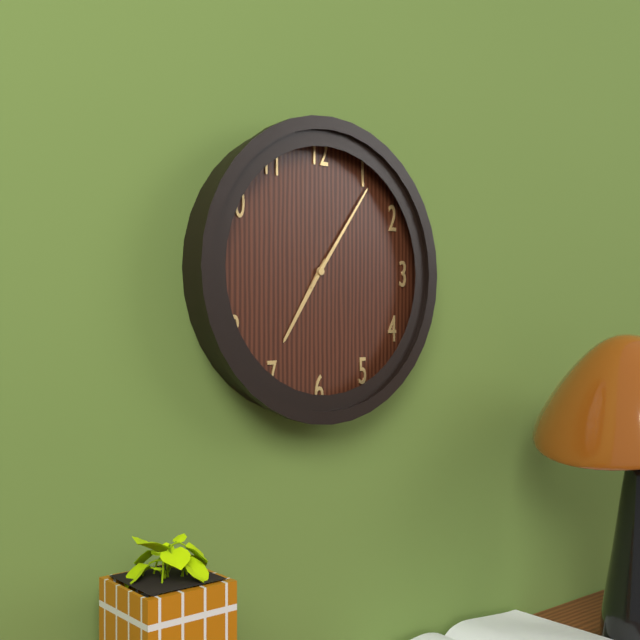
7:06
